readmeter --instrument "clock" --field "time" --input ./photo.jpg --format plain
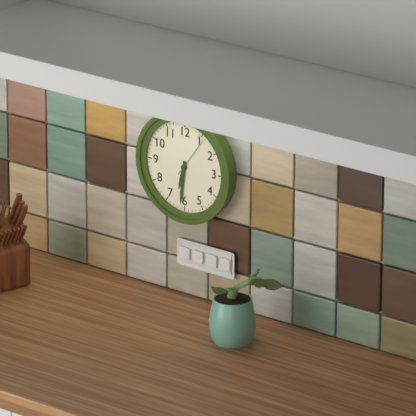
6:31
